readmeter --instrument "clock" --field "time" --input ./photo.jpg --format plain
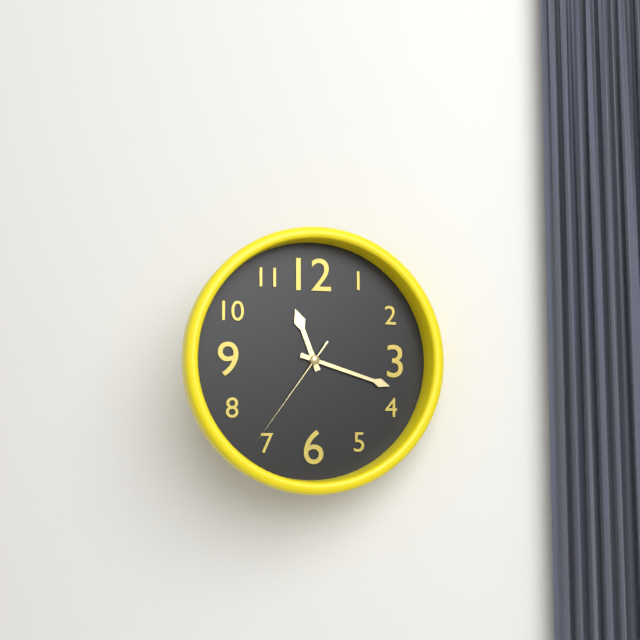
11:18:36
